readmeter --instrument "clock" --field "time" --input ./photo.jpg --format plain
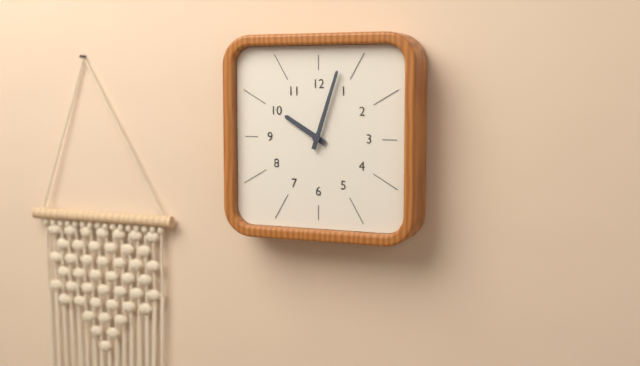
10:03
